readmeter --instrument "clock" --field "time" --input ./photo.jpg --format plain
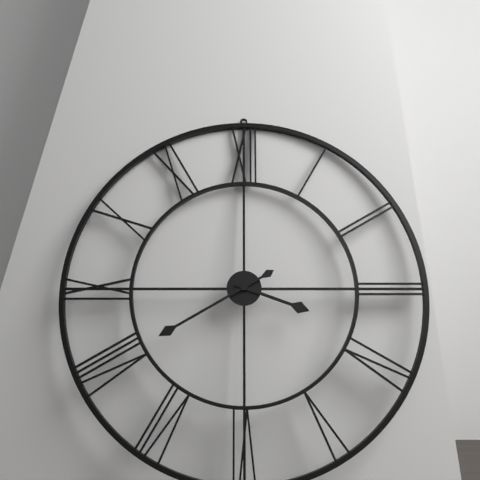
3:40
